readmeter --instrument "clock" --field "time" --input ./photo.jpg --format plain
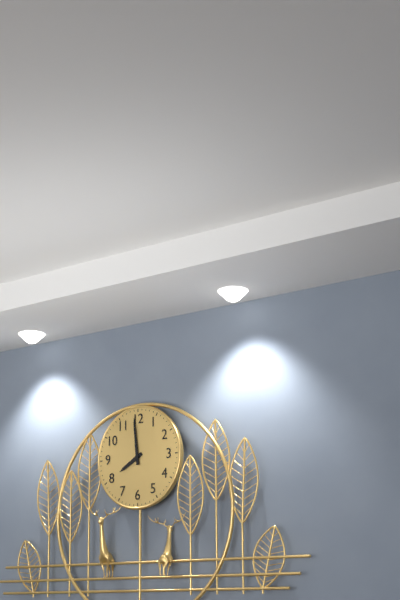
7:59
